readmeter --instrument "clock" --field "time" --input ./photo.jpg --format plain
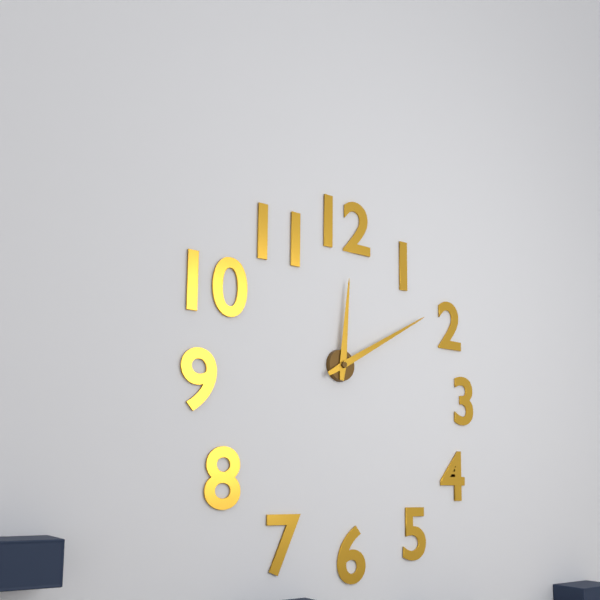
12:10
